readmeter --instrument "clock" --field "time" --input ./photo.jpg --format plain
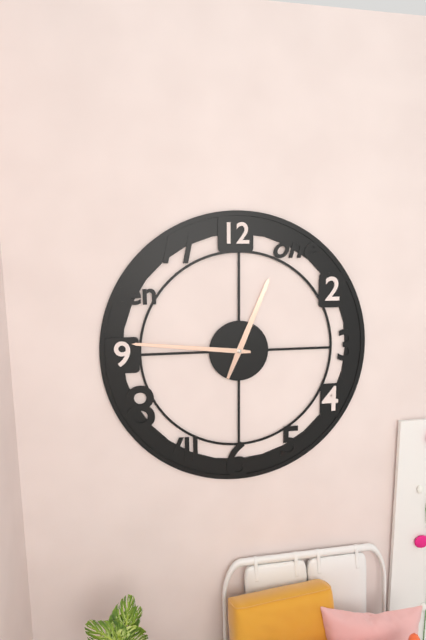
12:46
